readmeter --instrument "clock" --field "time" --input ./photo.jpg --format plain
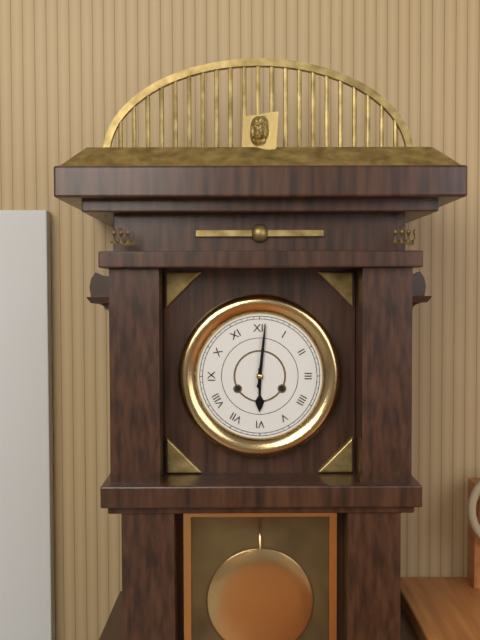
6:01
